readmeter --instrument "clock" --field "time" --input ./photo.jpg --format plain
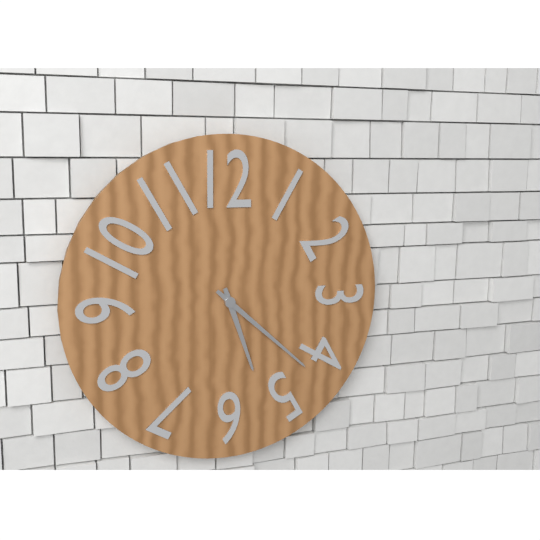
5:22
